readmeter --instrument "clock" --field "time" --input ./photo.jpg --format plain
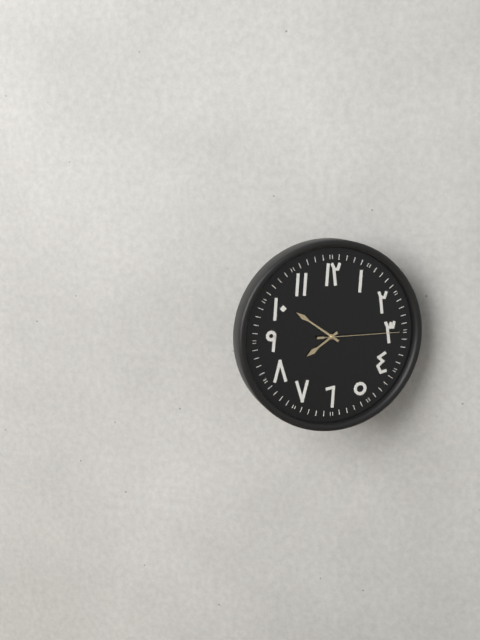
7:51:15
